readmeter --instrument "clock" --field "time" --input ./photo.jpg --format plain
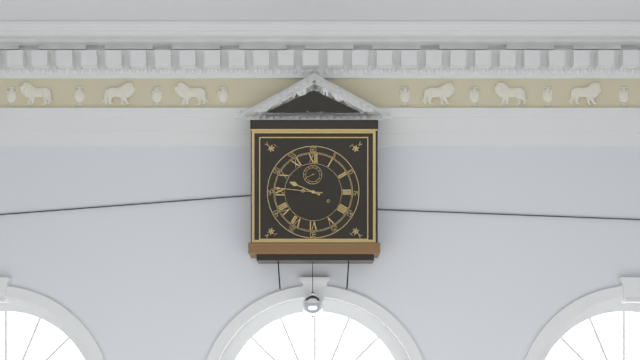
9:46
